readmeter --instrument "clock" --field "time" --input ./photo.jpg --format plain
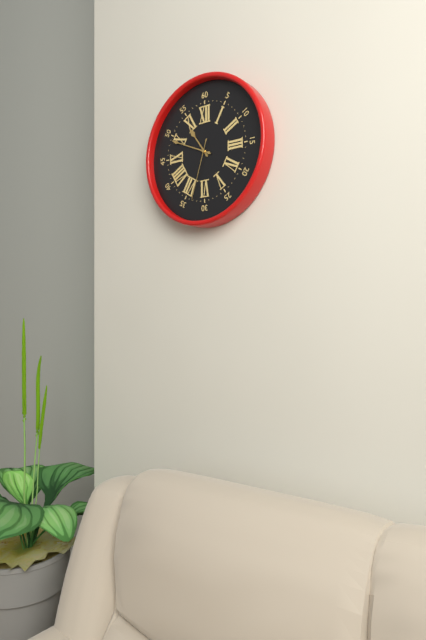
10:49:33
